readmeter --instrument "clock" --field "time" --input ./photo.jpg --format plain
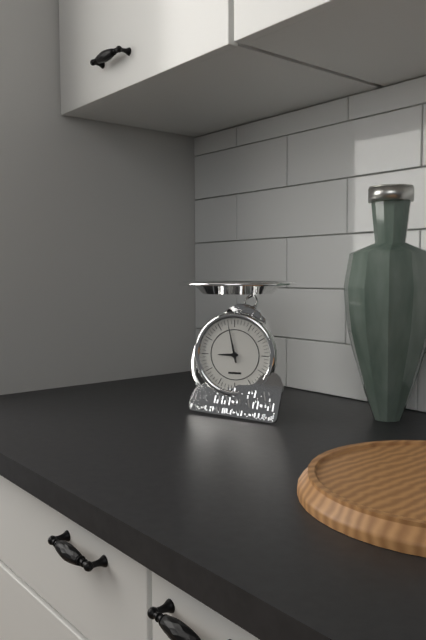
8:58
